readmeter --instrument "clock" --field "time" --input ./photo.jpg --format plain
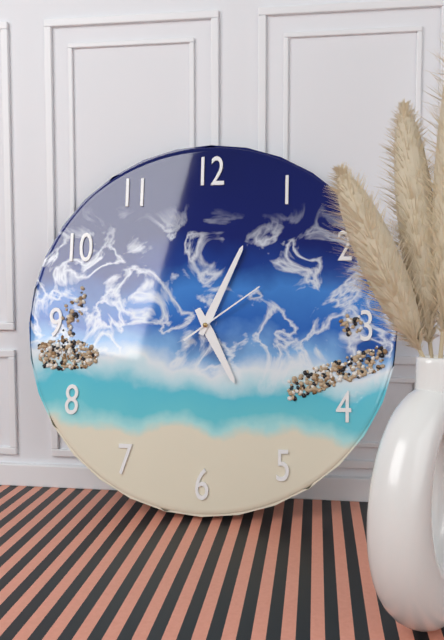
5:04:09
